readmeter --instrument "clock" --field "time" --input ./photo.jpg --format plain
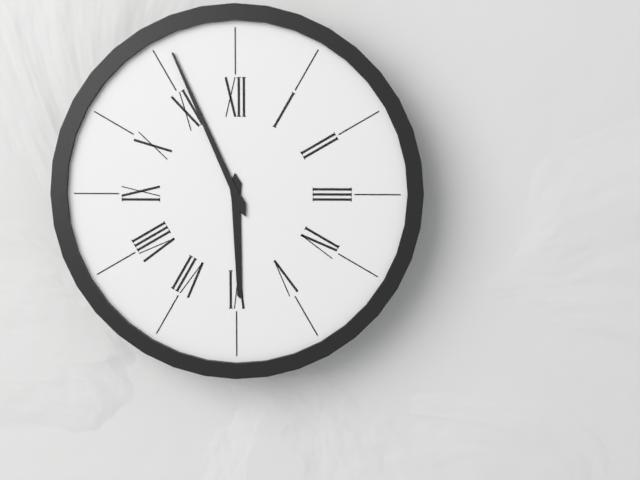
5:56
